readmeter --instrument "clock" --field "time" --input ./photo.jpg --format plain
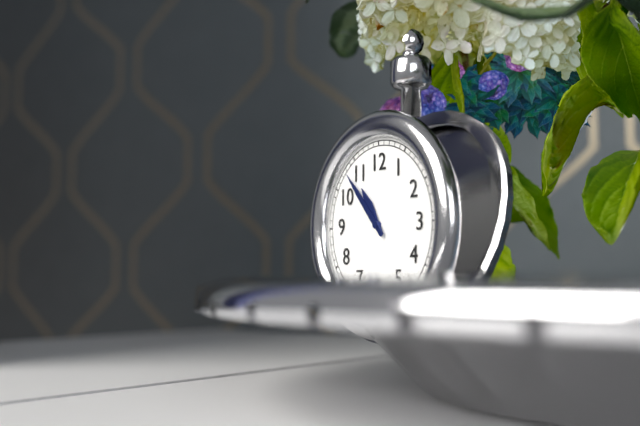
10:53
